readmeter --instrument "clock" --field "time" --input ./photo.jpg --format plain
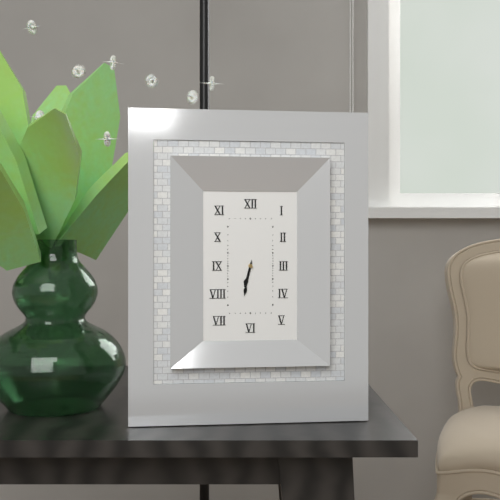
6:32
